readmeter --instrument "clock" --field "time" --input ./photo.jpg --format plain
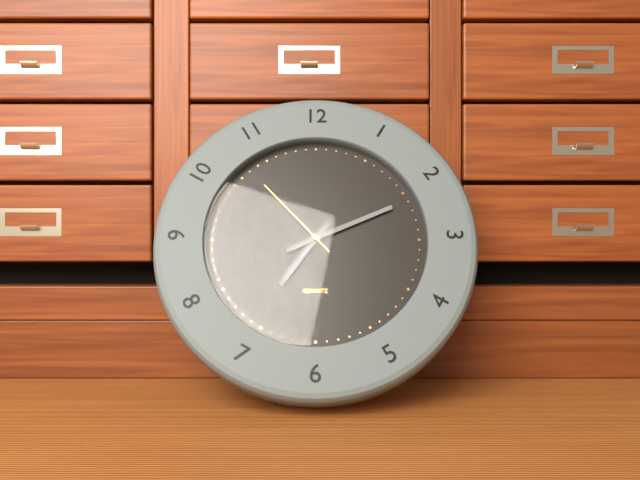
7:11:53
